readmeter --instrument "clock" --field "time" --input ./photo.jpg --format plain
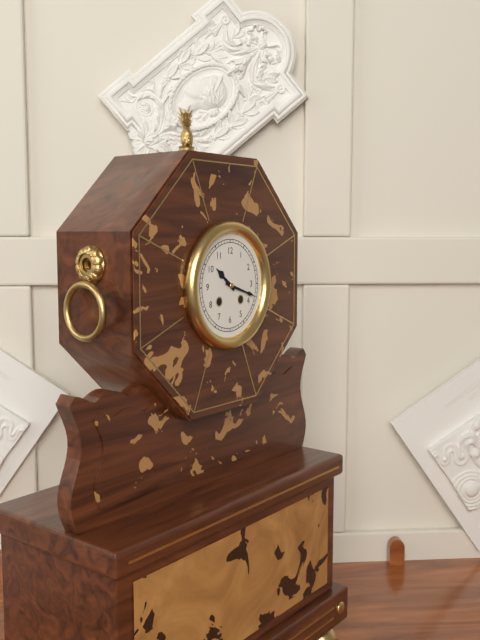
10:18
